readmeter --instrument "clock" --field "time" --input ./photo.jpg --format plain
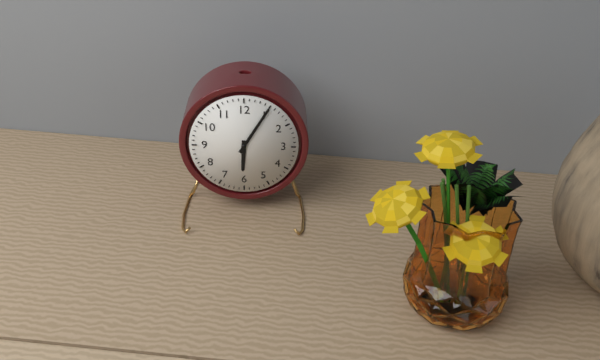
6:05
